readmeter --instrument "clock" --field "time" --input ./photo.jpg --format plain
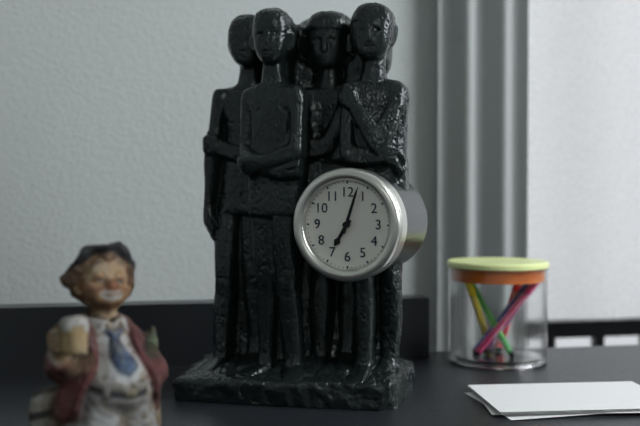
7:03
